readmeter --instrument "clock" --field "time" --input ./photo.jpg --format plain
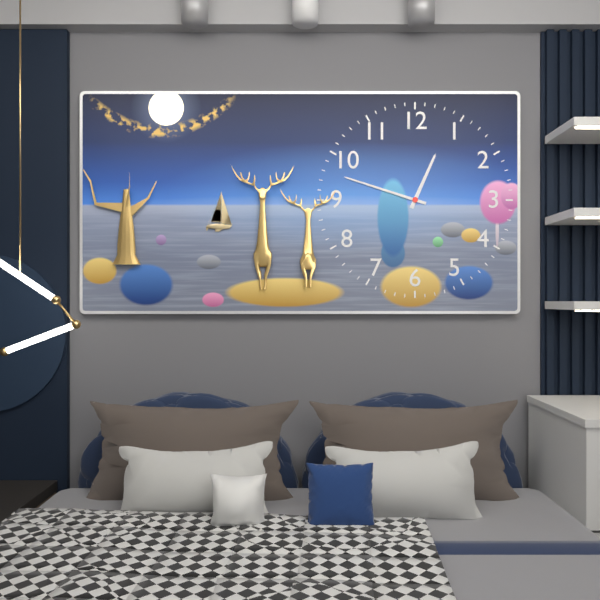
12:48
